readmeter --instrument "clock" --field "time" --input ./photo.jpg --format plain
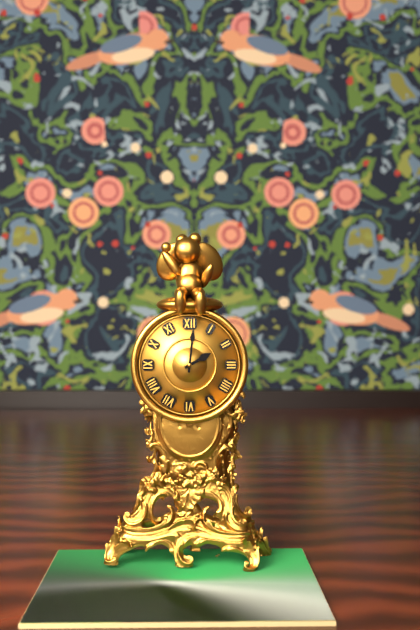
2:01
